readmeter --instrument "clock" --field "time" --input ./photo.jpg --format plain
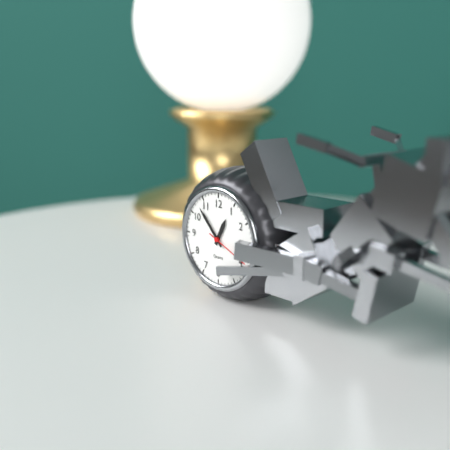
12:53
